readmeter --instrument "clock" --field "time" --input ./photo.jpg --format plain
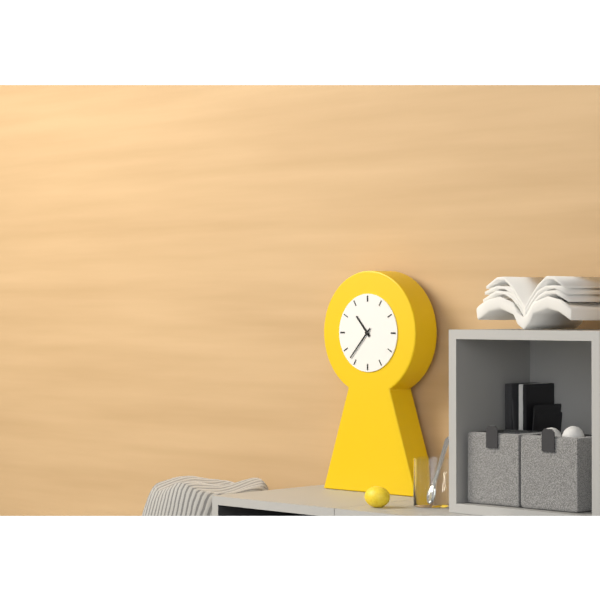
10:37
